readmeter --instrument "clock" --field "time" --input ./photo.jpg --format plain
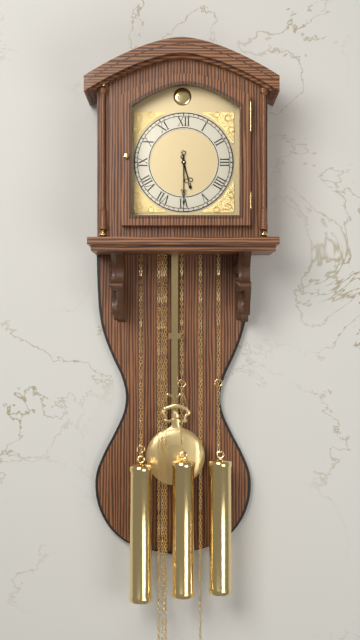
5:30
